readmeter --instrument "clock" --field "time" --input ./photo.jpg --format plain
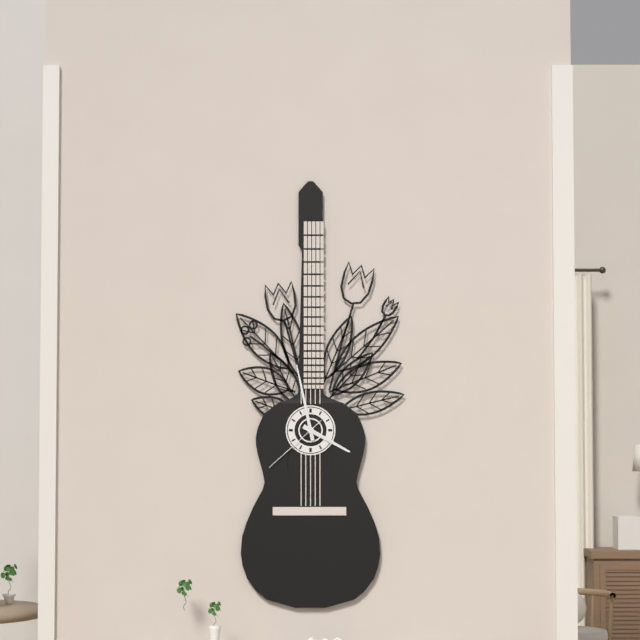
3:58:38
